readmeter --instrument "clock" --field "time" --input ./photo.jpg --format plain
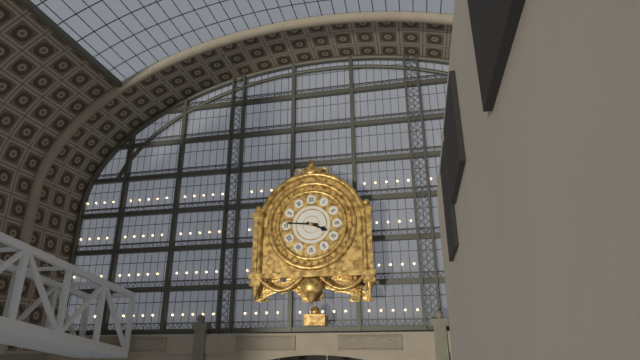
3:46
